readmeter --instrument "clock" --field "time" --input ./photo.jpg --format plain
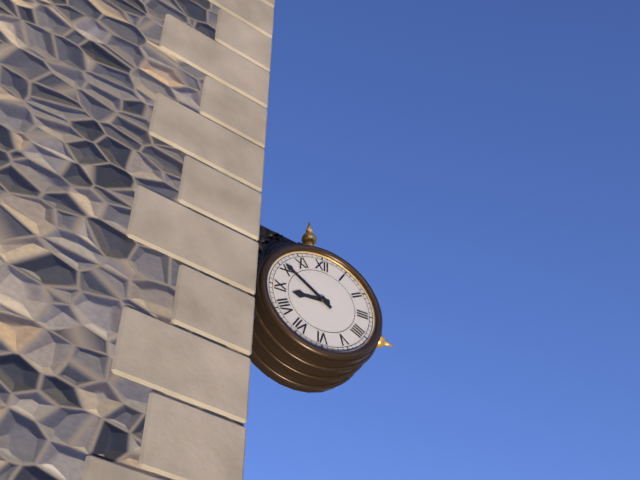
8:51
